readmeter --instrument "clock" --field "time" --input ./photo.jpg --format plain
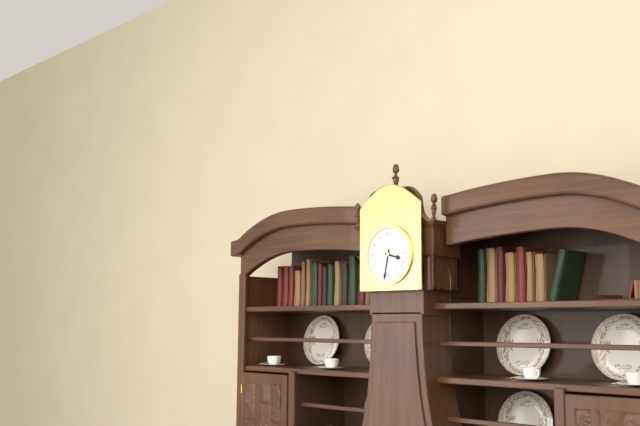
3:32
